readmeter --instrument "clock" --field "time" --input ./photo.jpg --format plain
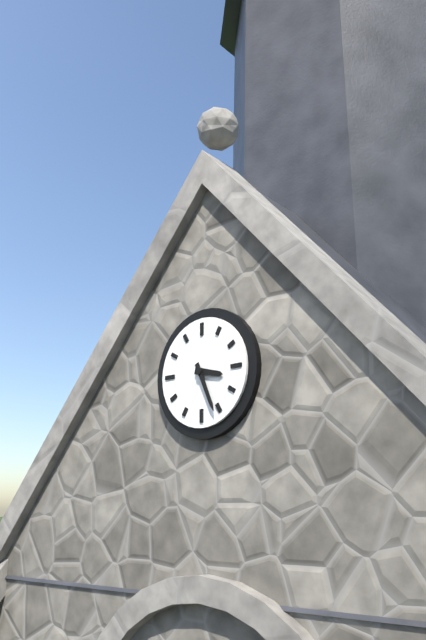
3:26
